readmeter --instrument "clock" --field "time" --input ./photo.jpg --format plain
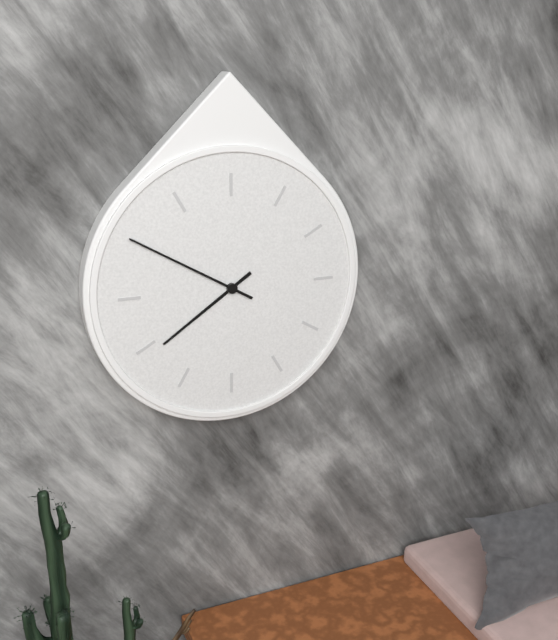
7:50
